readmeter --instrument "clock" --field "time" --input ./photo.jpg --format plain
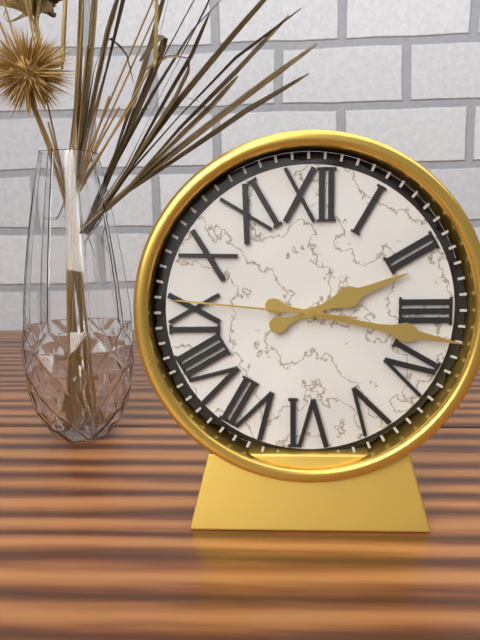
2:17:46
